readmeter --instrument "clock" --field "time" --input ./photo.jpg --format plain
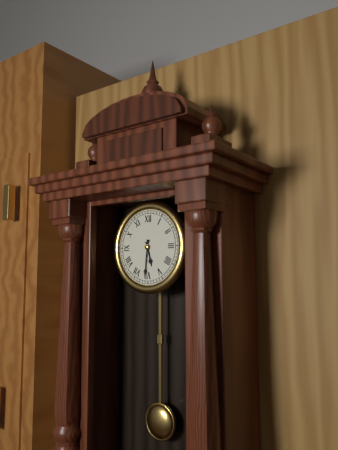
5:31
